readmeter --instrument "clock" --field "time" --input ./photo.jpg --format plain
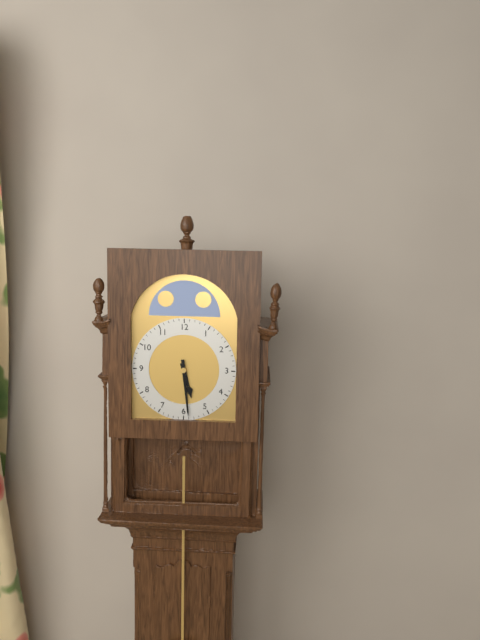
5:29
